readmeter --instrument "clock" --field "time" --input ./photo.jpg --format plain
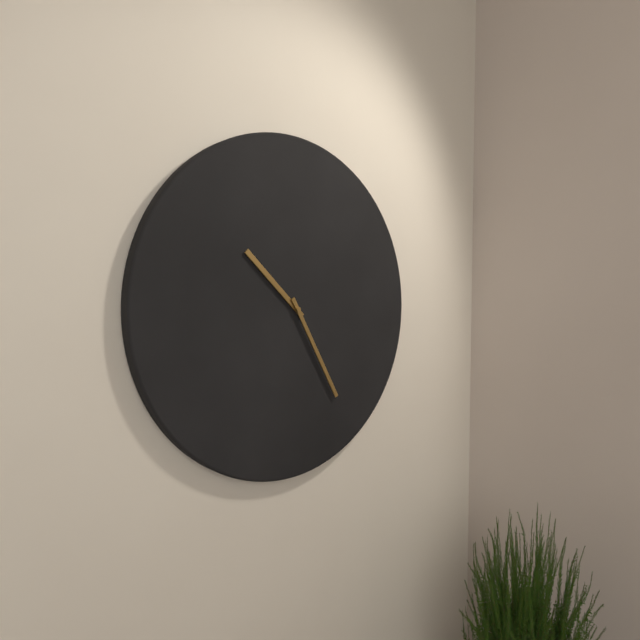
10:25
